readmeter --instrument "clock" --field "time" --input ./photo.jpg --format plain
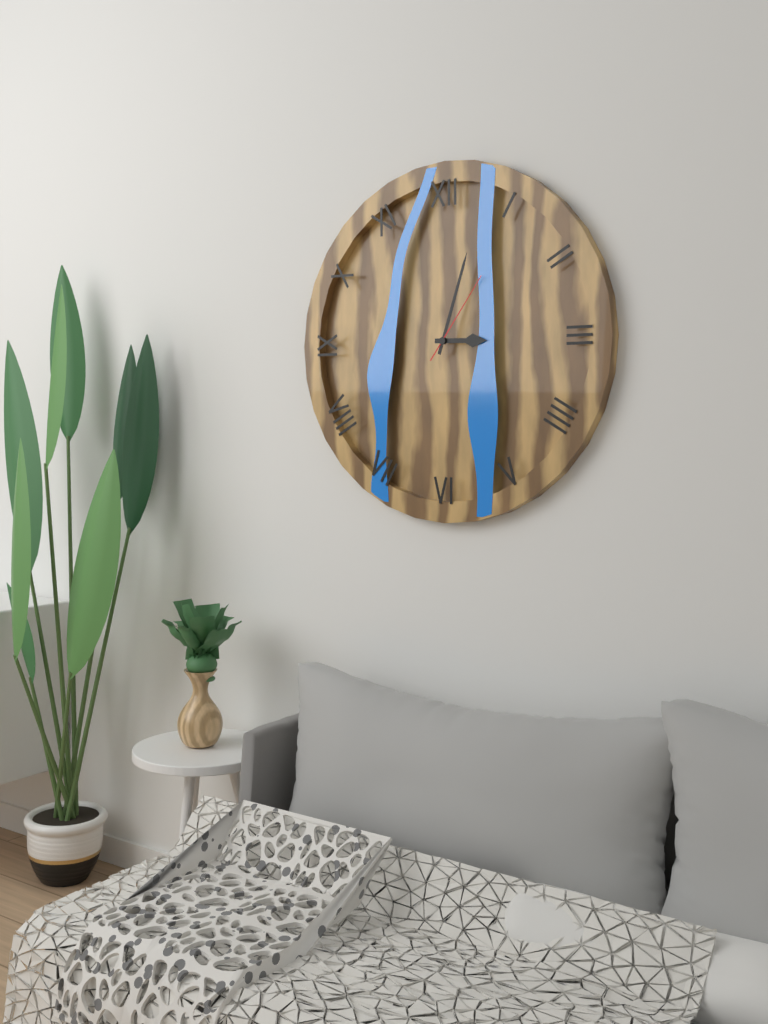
3:03:06
